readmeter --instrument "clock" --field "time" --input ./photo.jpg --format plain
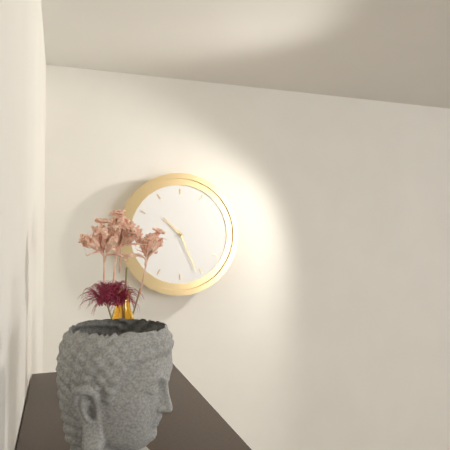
10:26
